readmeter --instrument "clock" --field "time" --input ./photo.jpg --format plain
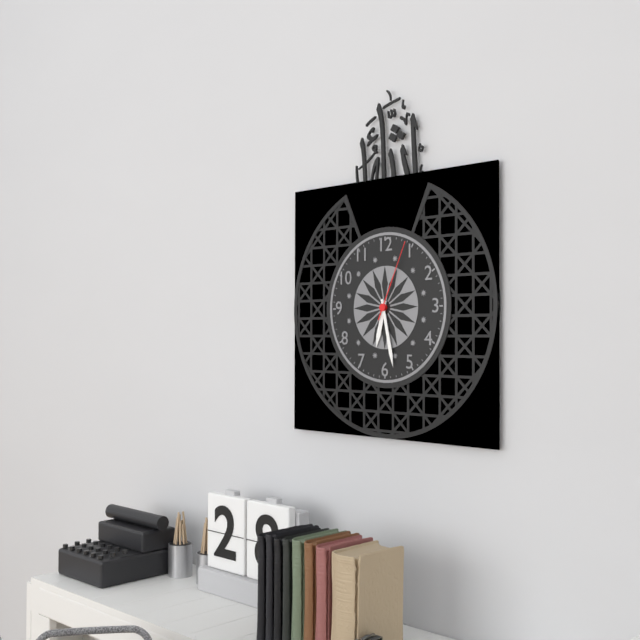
6:28:04
